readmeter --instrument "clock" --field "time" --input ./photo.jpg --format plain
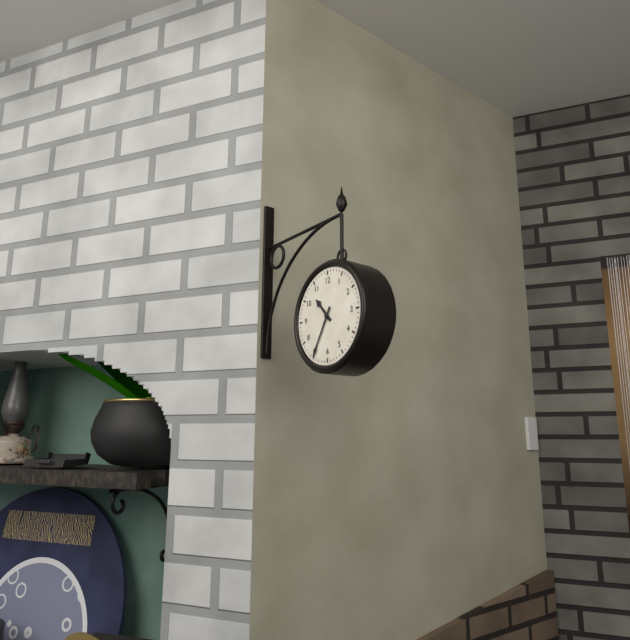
10:35
